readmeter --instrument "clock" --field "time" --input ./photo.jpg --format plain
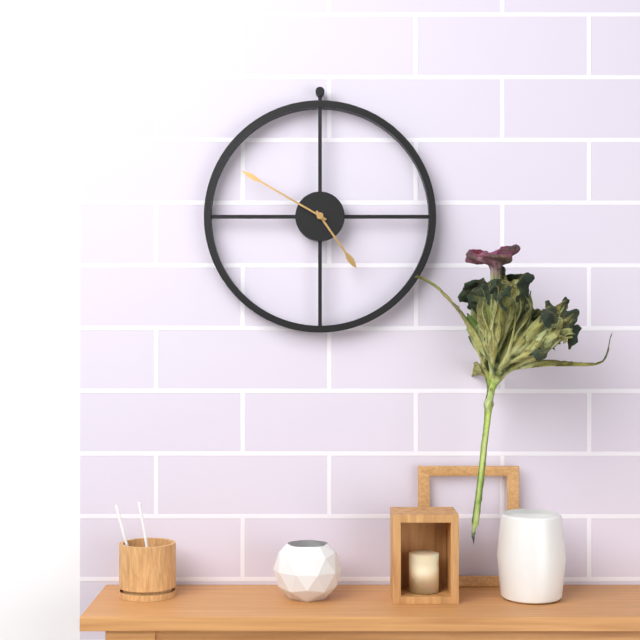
4:50
